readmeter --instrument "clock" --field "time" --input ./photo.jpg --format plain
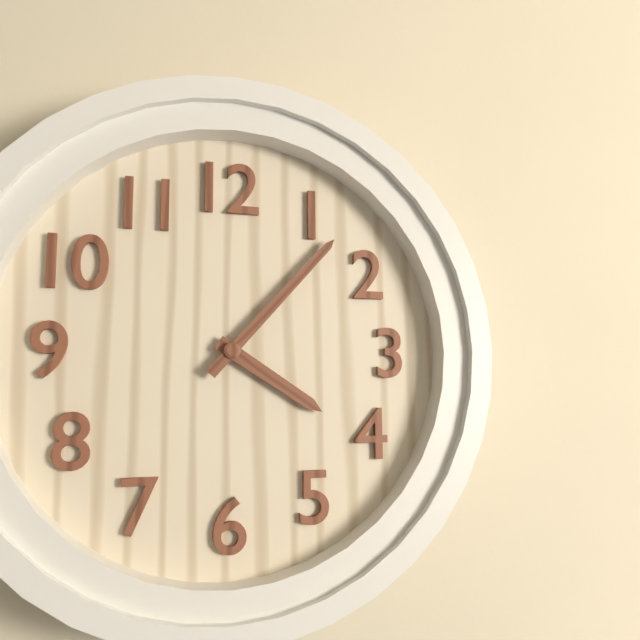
4:07
